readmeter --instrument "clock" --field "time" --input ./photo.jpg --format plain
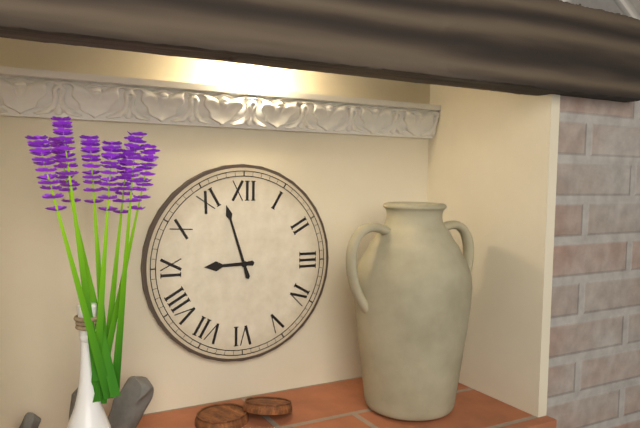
8:57
